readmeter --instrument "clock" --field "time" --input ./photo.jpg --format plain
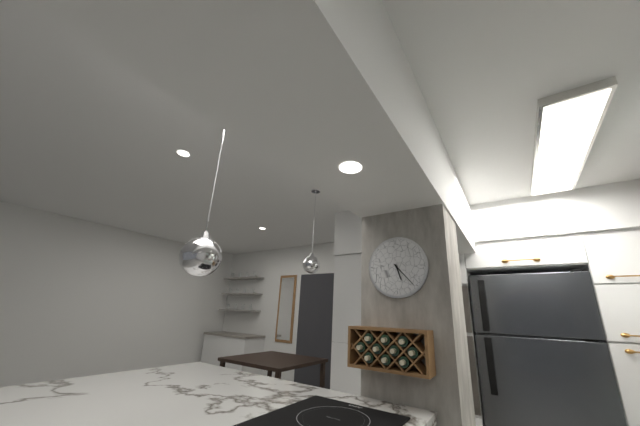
5:23
